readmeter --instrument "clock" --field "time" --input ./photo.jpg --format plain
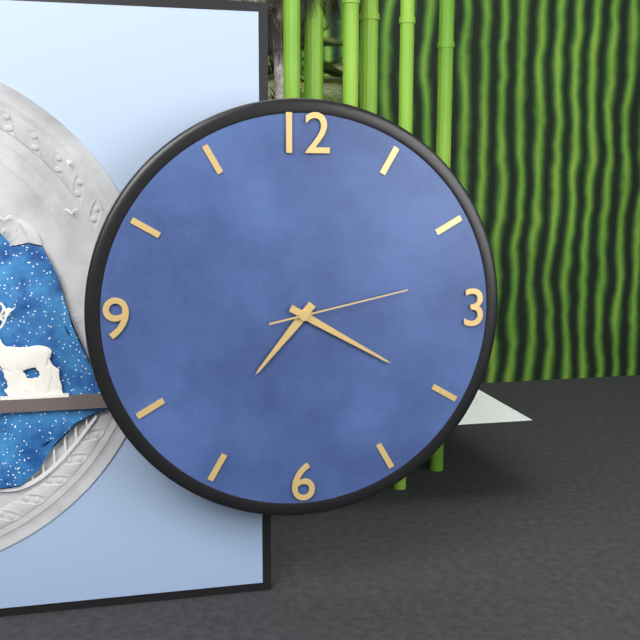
7:20:13
